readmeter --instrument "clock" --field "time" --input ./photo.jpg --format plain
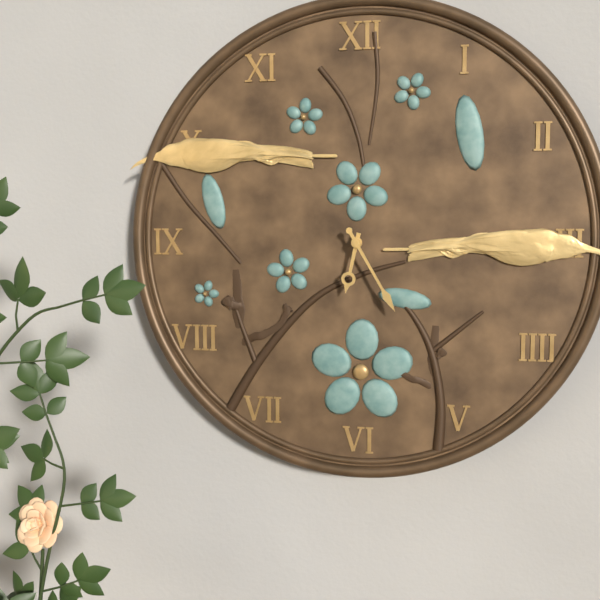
6:25
